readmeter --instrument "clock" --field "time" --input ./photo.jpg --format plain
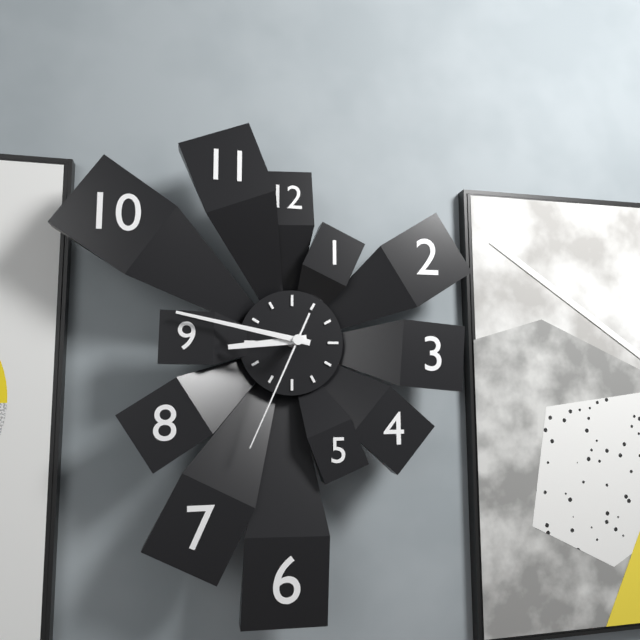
8:47:34
